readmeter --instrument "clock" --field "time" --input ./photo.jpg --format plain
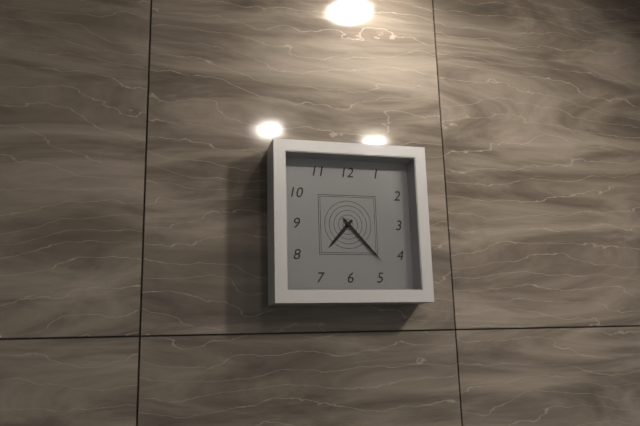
7:23
